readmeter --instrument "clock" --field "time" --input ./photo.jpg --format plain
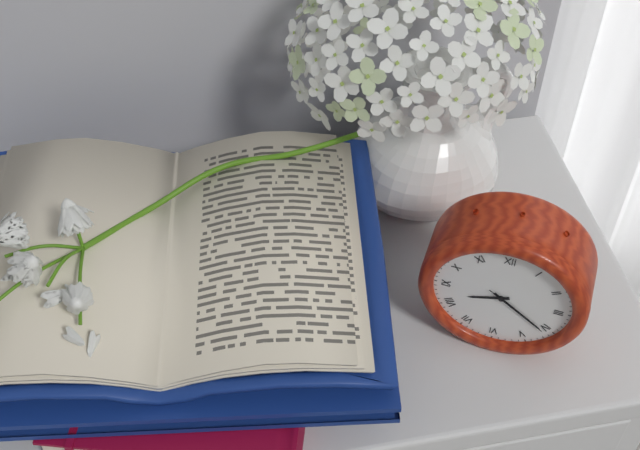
8:21:21
